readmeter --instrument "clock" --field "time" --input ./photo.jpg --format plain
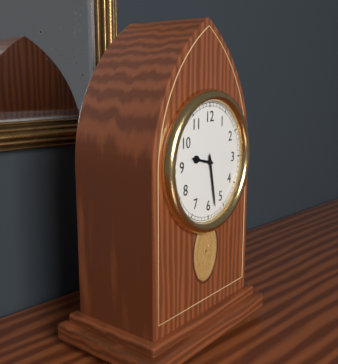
9:28
